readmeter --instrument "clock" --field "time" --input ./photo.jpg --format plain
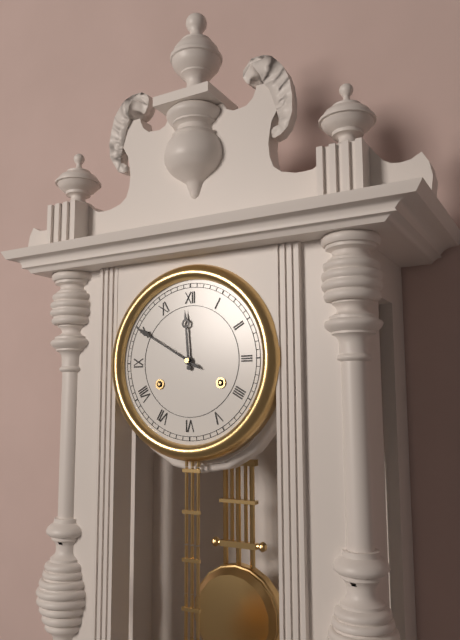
11:50
